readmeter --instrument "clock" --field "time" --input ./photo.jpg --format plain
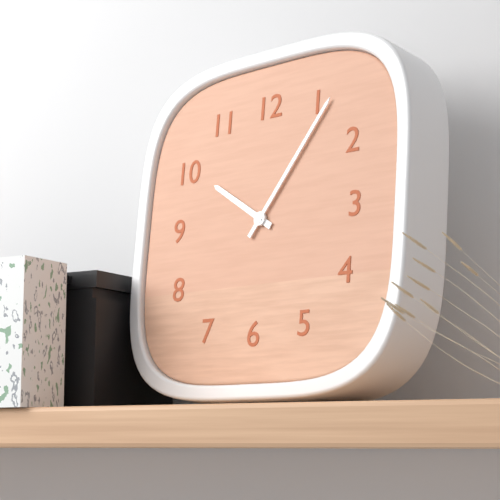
10:06
